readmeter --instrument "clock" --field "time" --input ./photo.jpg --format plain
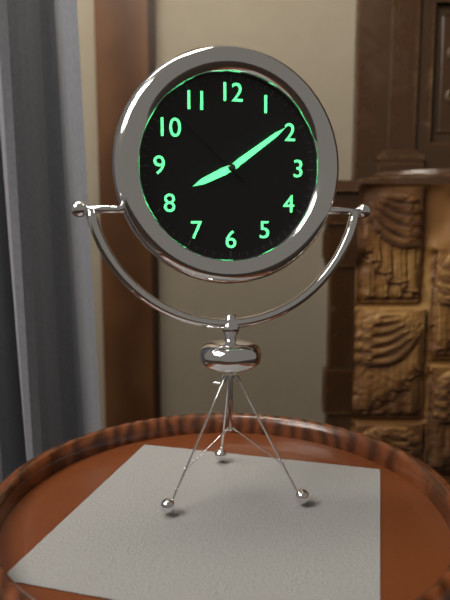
8:09:52
